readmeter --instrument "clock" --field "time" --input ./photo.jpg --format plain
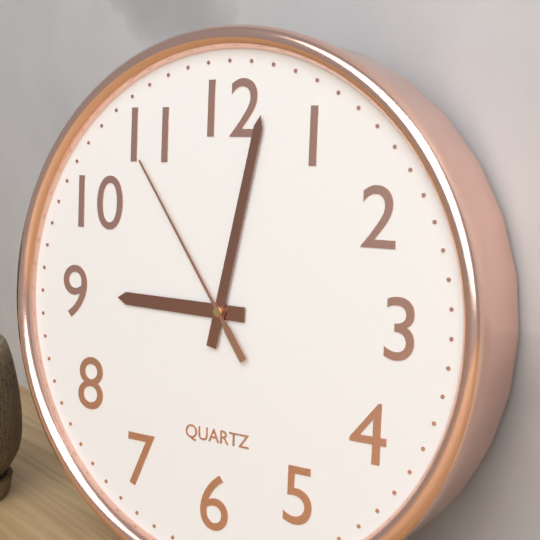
9:02:54
